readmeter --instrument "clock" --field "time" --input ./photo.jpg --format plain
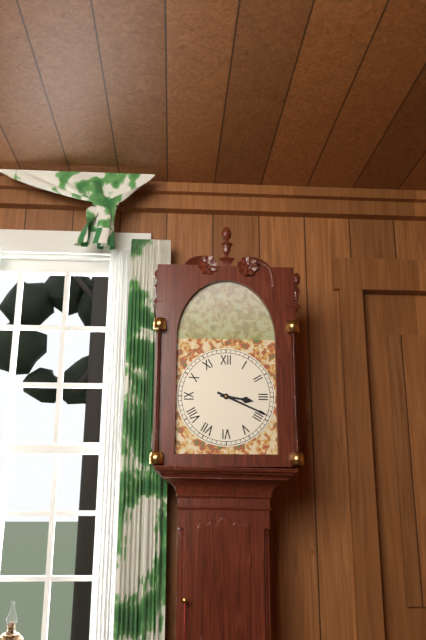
3:19
